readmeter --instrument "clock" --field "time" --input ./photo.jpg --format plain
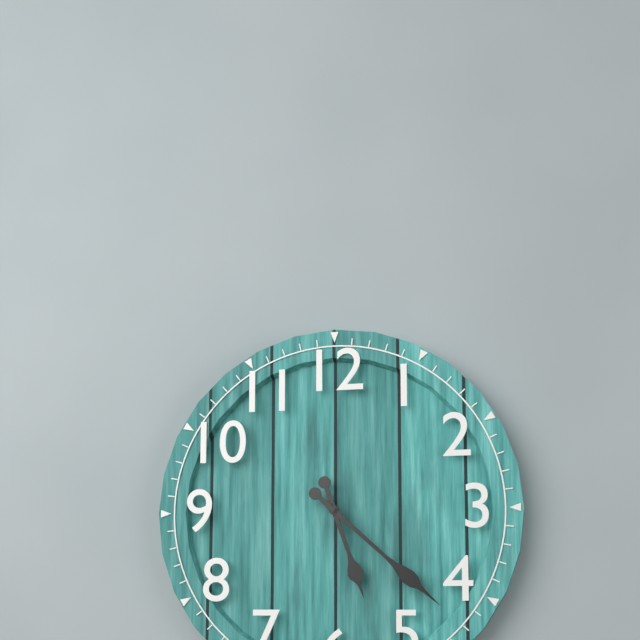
5:22
